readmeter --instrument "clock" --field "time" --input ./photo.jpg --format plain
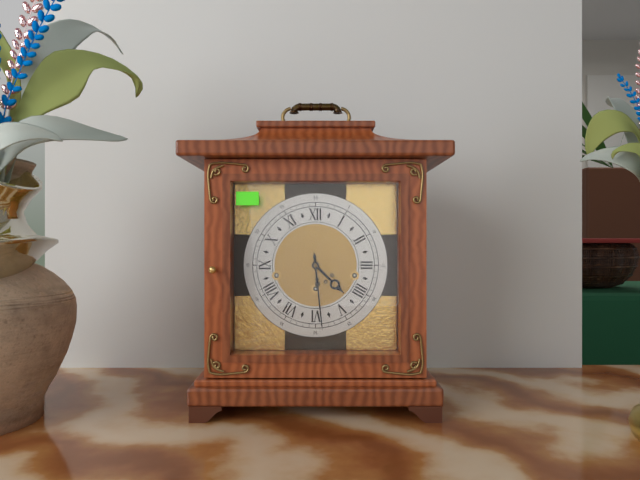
4:29
